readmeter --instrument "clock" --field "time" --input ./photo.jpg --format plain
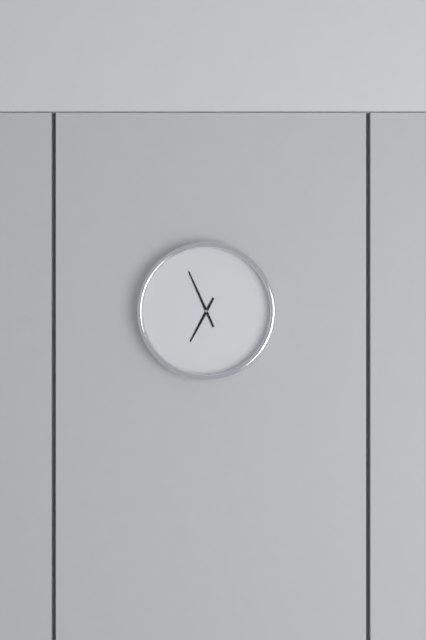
6:56
